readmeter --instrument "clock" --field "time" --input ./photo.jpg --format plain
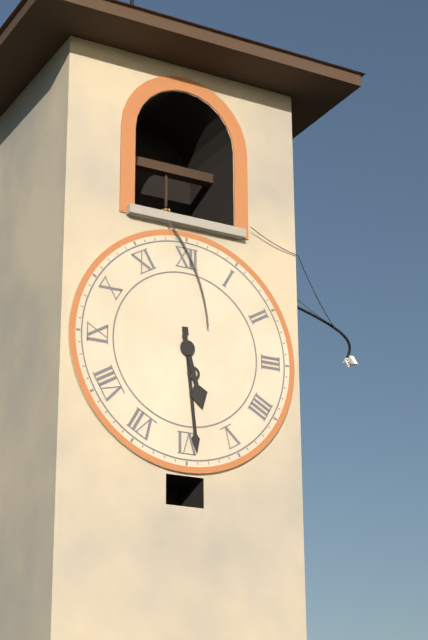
5:29
